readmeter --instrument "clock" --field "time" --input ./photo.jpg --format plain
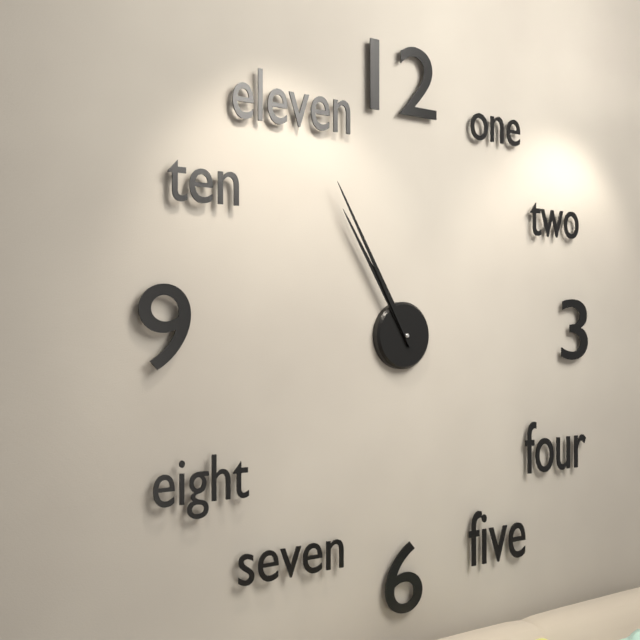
10:55
